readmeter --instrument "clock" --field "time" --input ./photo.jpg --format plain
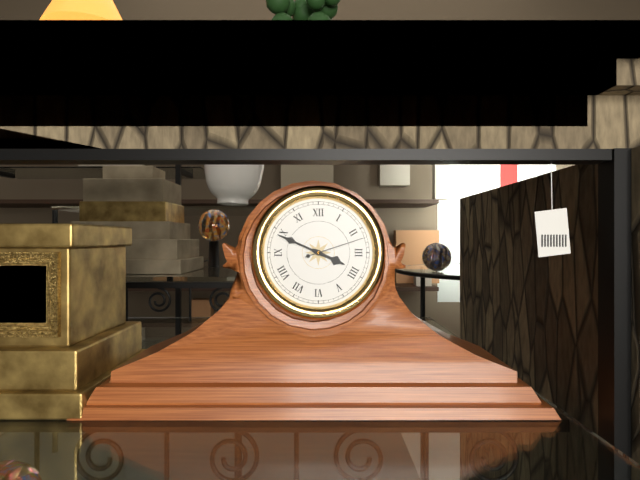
3:49:12
